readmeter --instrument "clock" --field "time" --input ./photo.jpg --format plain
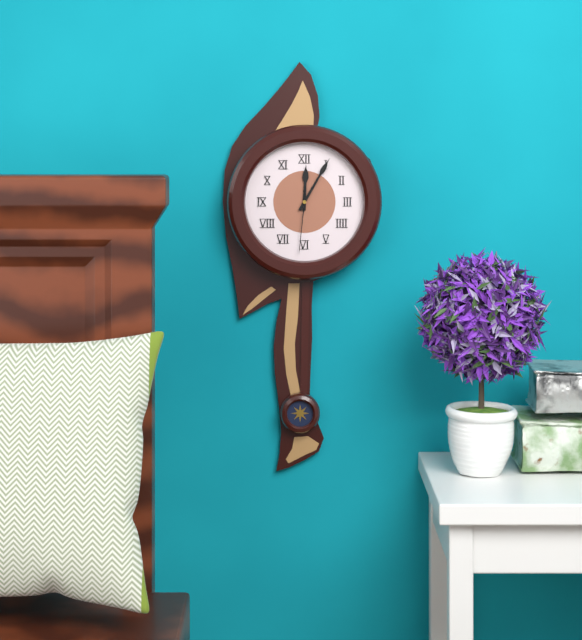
12:05:31
